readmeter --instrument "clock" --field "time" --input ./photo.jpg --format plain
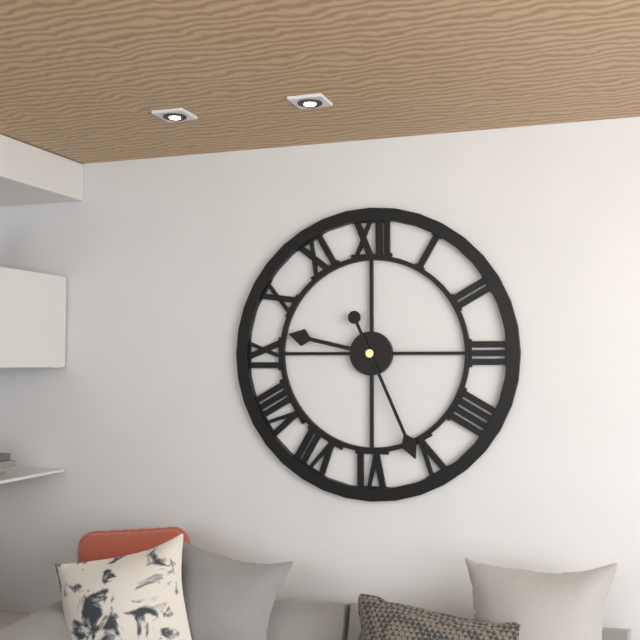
9:26
